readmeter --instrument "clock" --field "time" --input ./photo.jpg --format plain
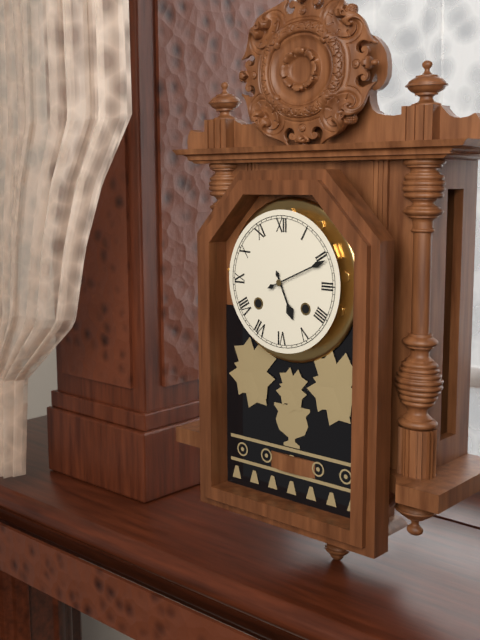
5:11
